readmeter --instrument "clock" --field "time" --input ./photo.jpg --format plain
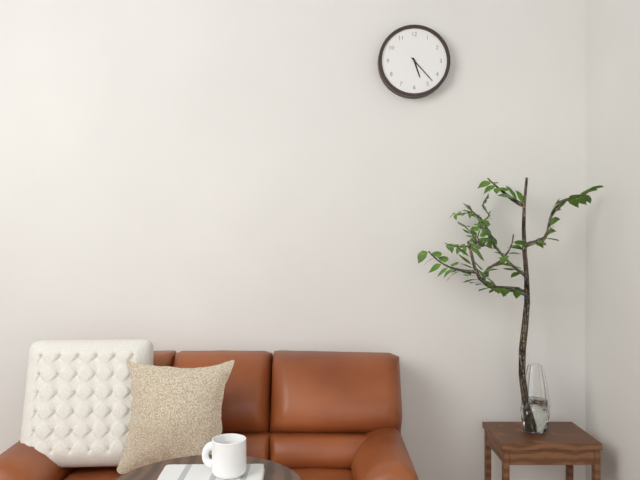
5:23
